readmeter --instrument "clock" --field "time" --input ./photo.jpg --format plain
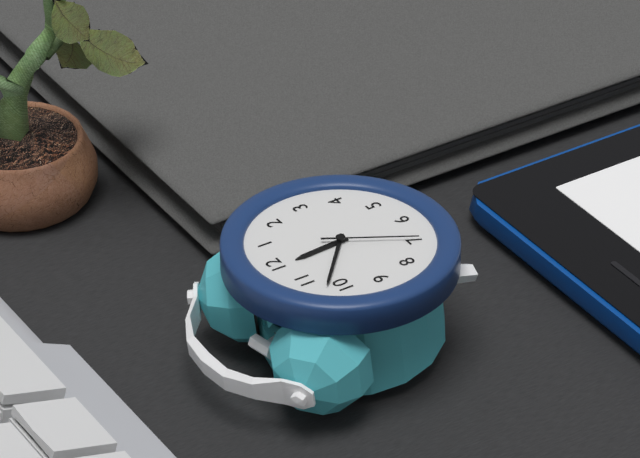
11:52:35
